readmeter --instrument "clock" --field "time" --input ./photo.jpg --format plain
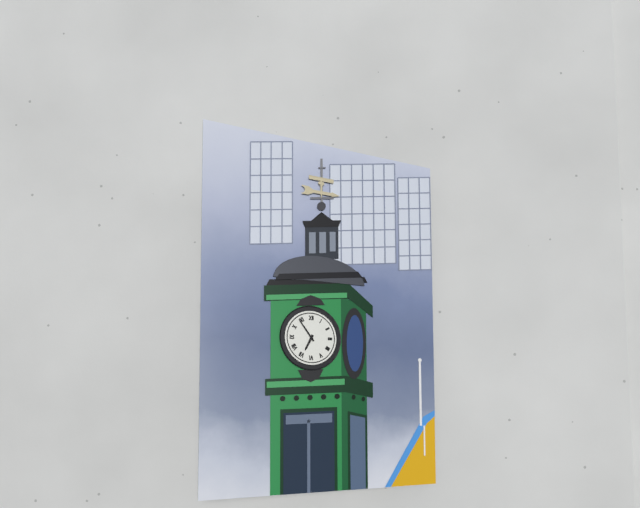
6:54
